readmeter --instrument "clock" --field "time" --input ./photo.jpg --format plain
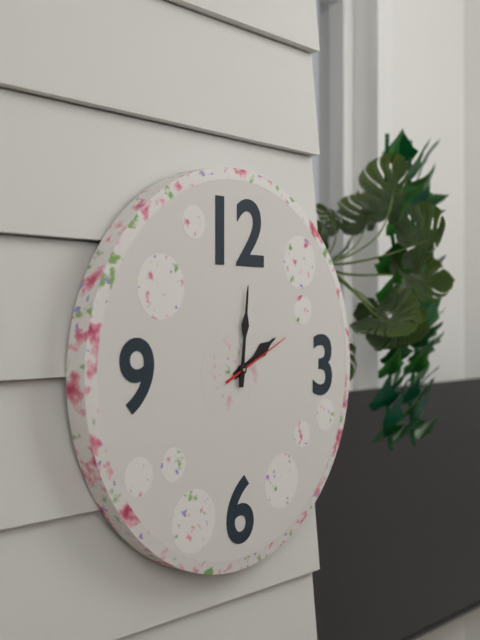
2:01:11
